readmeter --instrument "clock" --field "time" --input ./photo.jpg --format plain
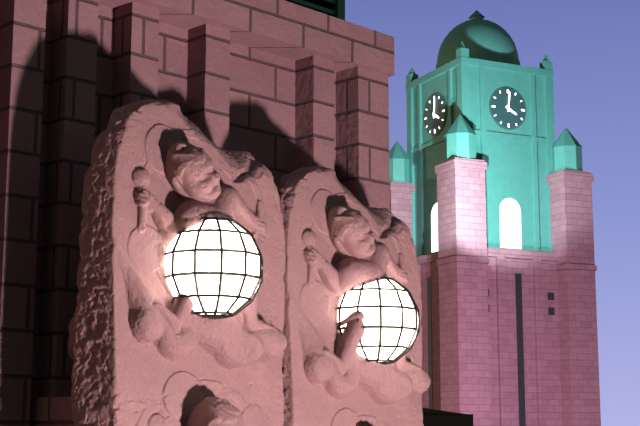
4:01
